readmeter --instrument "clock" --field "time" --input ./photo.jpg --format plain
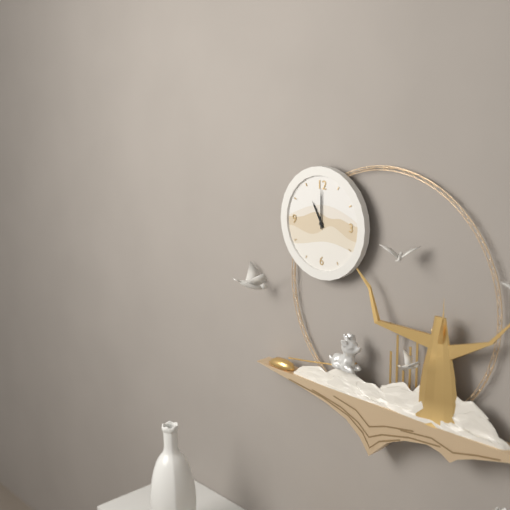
11:00
